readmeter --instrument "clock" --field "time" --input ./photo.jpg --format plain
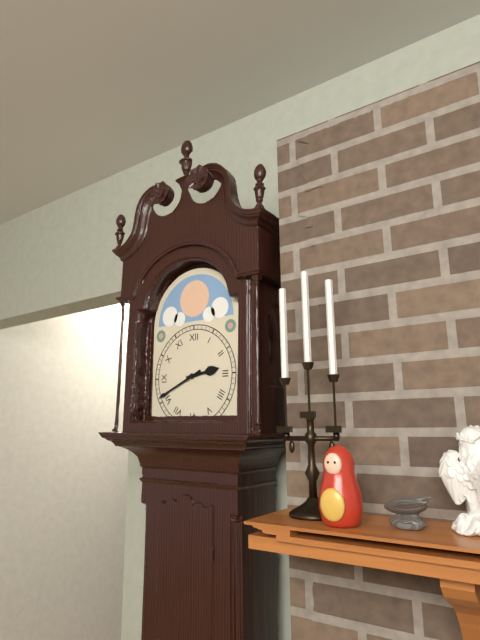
2:41
